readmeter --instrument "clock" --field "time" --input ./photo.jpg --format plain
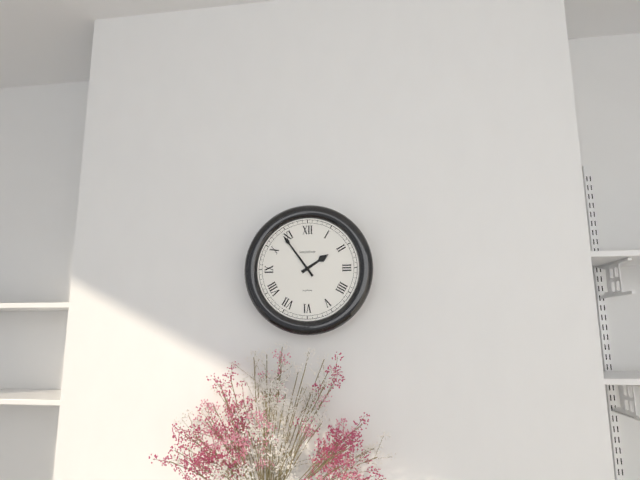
1:54
